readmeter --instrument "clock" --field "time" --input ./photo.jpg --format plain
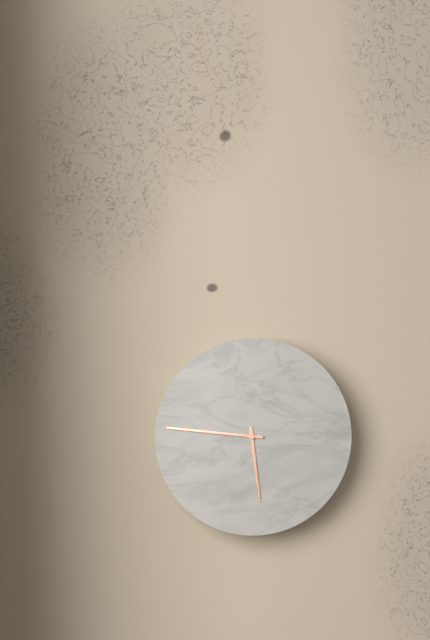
5:46
